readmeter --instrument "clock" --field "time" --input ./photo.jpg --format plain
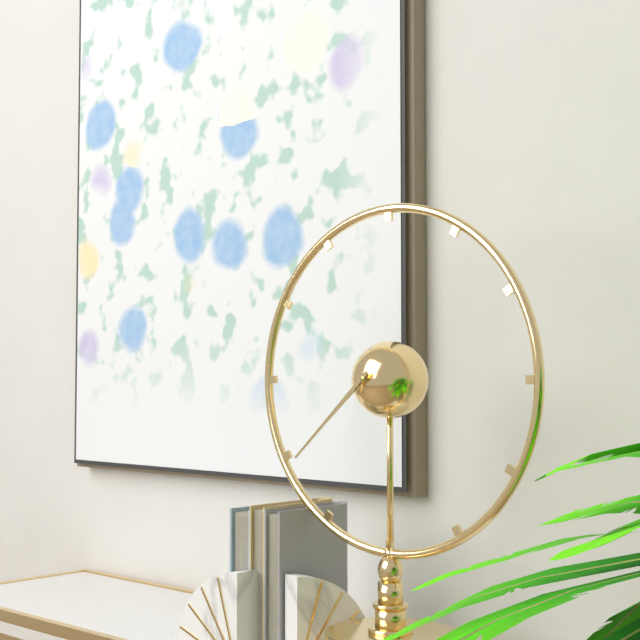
7:38
